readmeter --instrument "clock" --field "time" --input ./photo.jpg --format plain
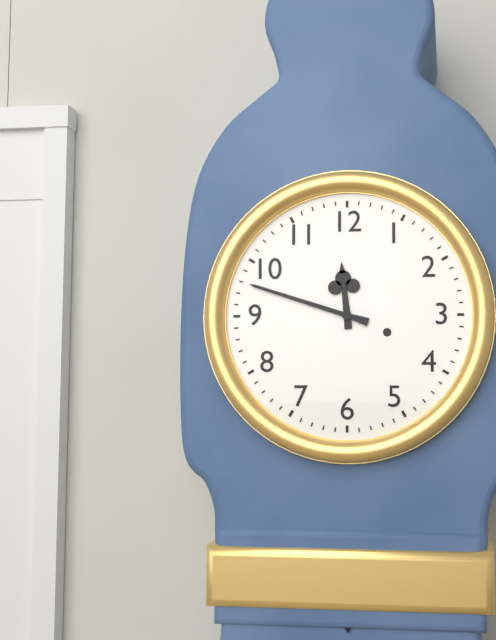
11:48
